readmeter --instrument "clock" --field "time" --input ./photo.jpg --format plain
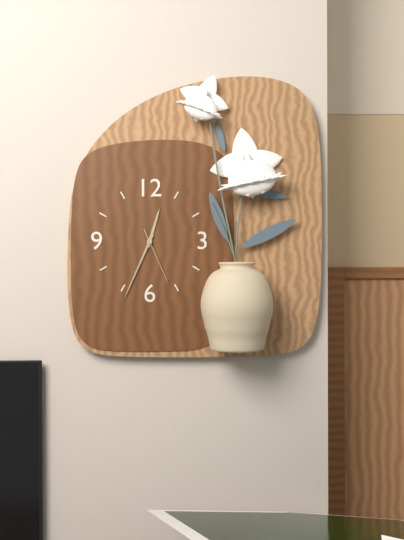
12:34:26
